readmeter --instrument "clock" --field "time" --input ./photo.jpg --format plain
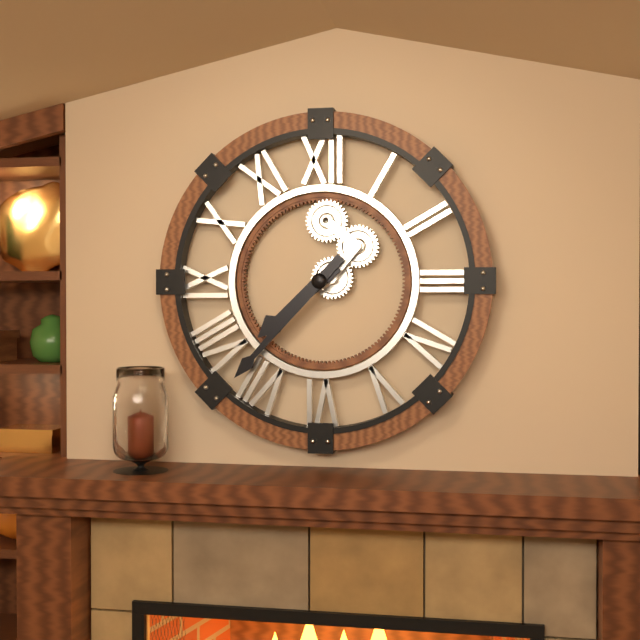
7:37
